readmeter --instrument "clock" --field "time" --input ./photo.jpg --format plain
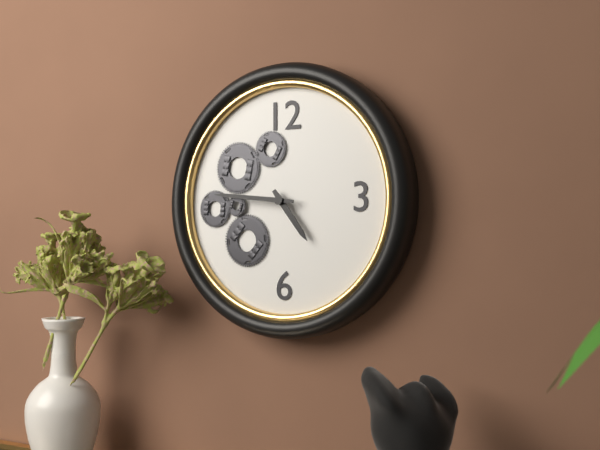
4:46
